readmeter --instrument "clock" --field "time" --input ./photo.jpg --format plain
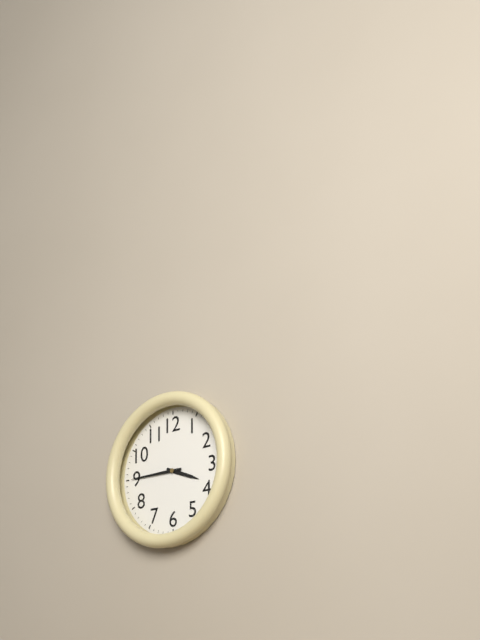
3:45
